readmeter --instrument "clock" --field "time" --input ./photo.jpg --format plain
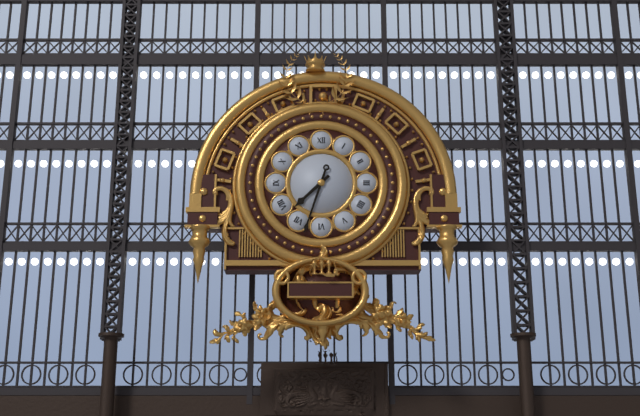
7:33
